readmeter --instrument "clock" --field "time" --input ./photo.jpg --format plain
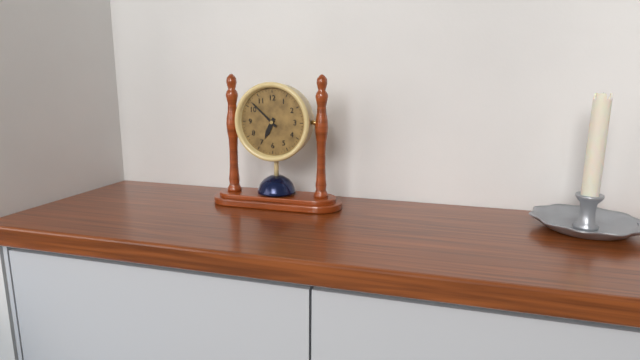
6:52
